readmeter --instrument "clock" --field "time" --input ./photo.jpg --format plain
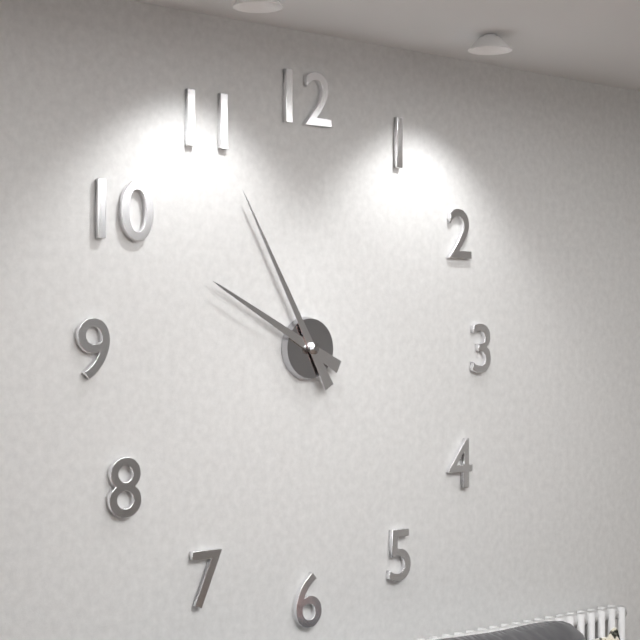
9:55
